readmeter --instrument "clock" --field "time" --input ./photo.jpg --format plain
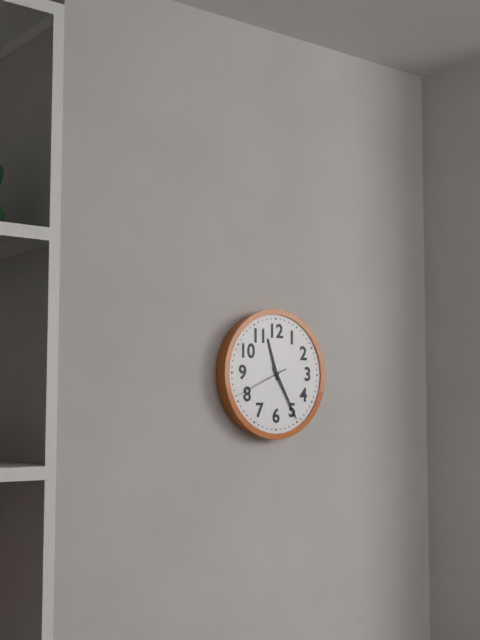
11:25:41
